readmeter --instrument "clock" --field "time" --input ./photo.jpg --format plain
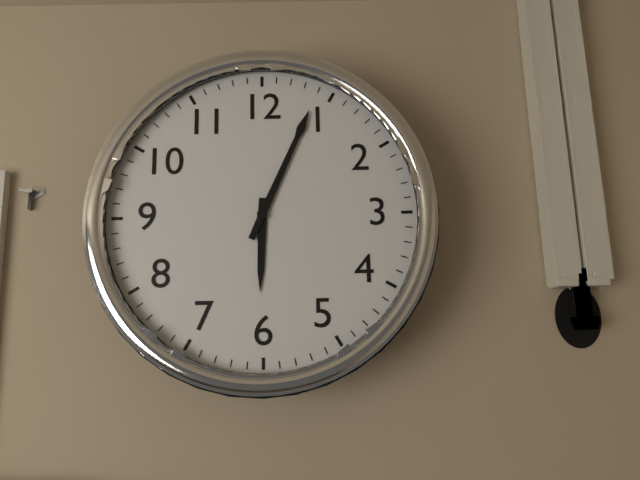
6:04
